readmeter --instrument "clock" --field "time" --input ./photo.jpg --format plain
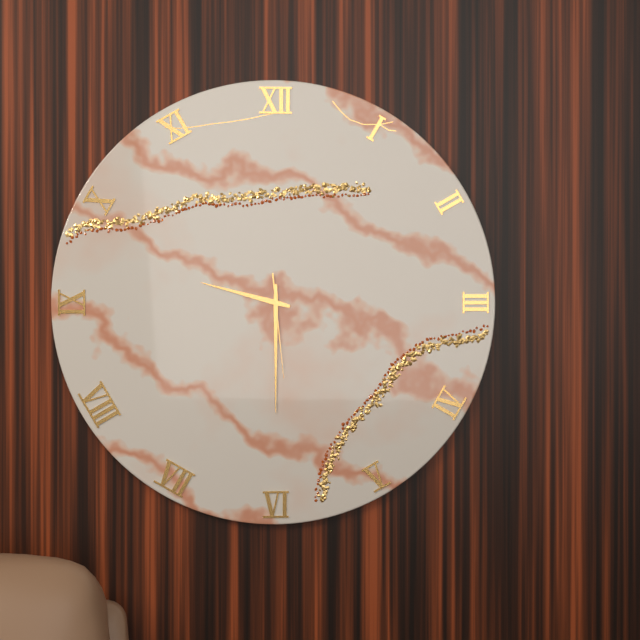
9:30:29
